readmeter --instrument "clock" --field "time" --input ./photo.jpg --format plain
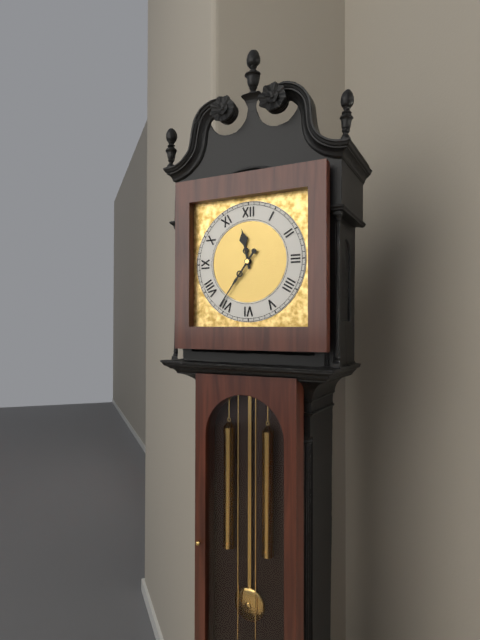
11:36
